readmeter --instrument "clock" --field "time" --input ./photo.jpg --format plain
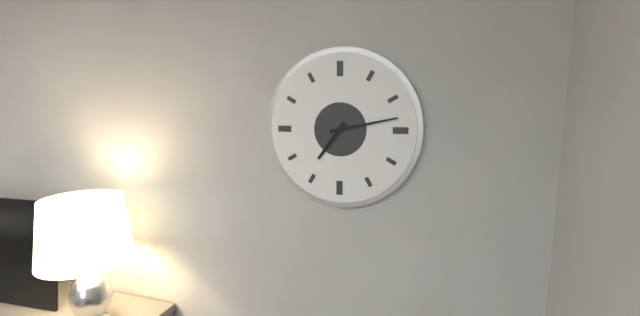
7:13
